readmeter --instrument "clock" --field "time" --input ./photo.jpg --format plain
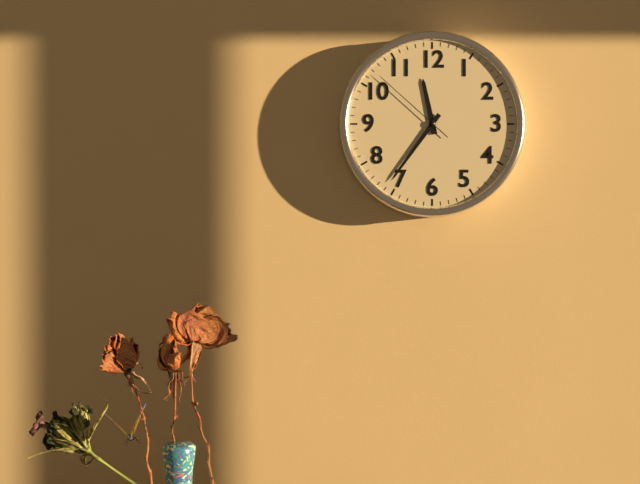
11:36:52
